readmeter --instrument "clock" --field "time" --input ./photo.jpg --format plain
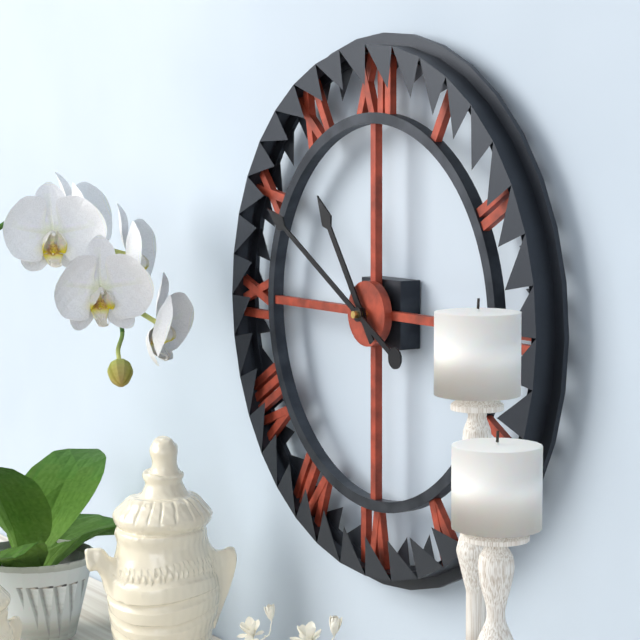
10:50
